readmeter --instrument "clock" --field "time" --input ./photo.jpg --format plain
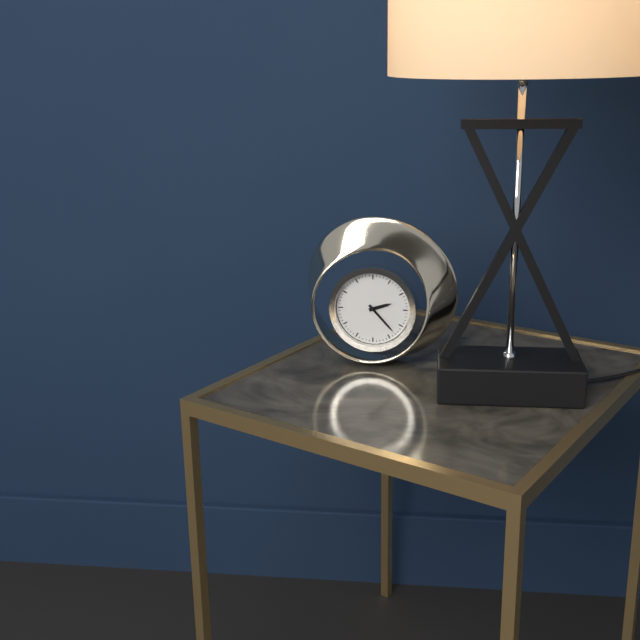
2:23
